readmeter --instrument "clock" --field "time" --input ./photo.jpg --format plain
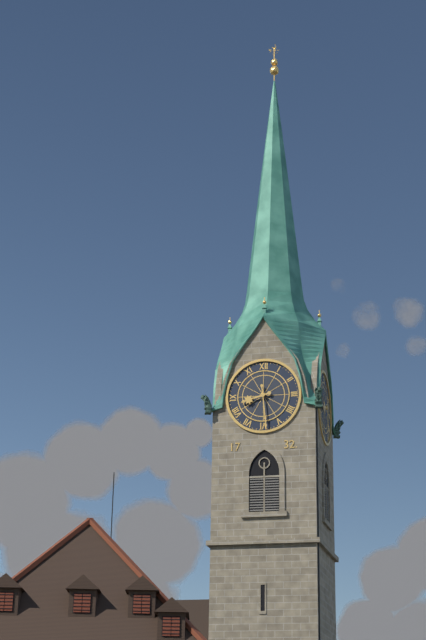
8:29
